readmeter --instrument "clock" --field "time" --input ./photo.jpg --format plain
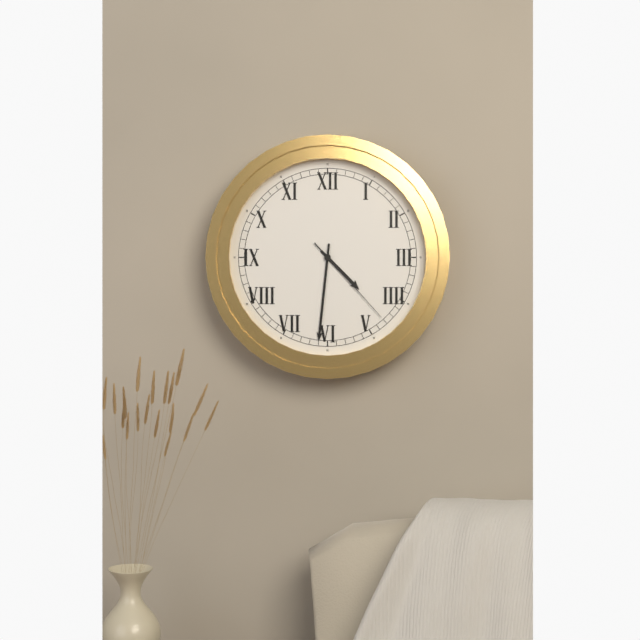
4:31:23
